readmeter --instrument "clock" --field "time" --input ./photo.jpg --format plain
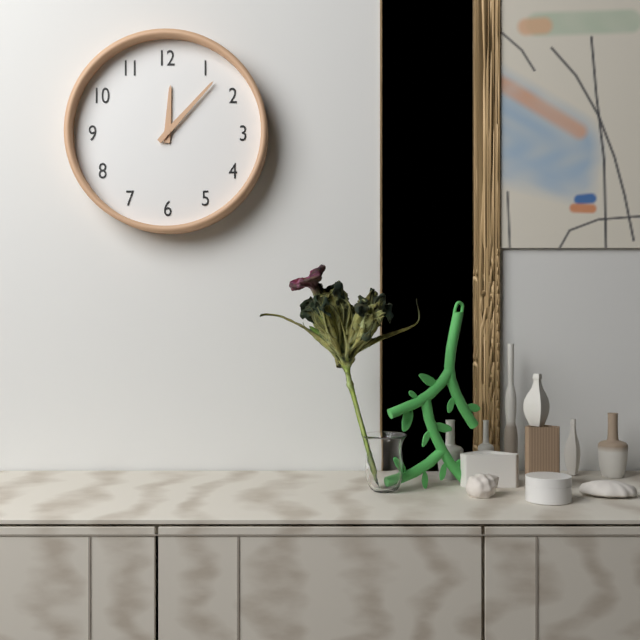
12:07
